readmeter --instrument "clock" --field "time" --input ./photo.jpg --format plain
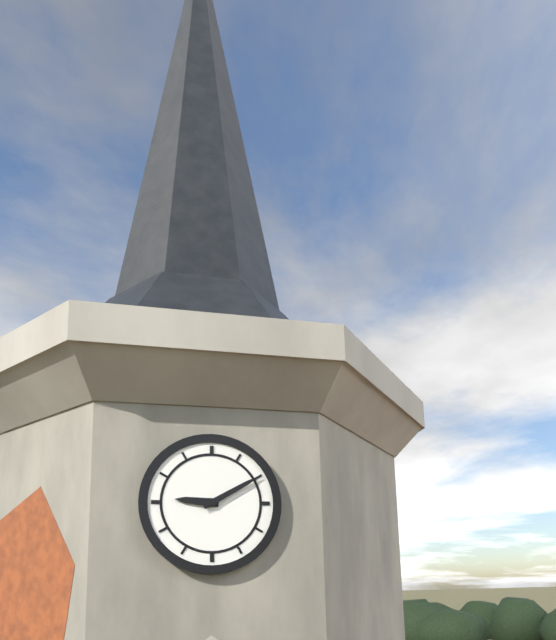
9:10
